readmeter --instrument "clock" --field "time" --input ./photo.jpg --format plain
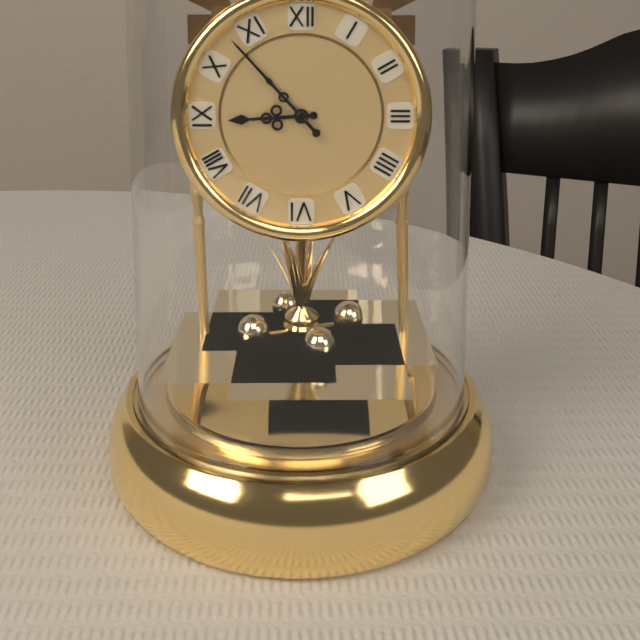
8:53
